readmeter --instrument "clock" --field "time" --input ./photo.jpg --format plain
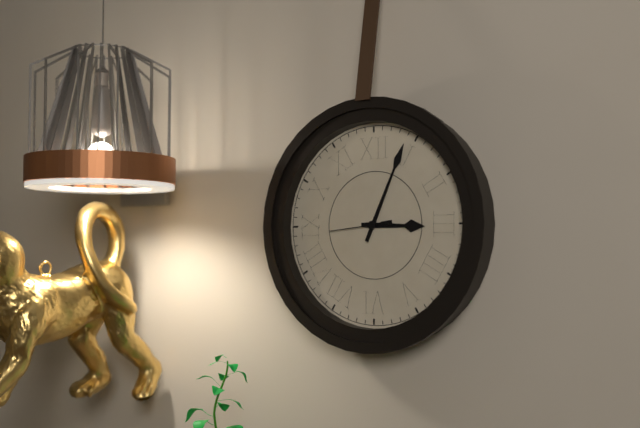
3:04:44
